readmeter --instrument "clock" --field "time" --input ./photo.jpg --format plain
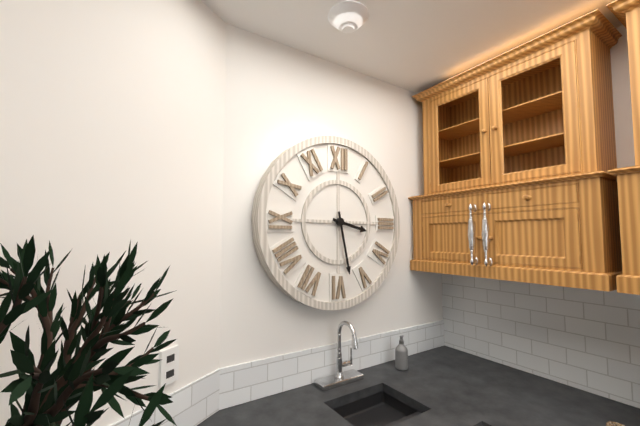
3:28
